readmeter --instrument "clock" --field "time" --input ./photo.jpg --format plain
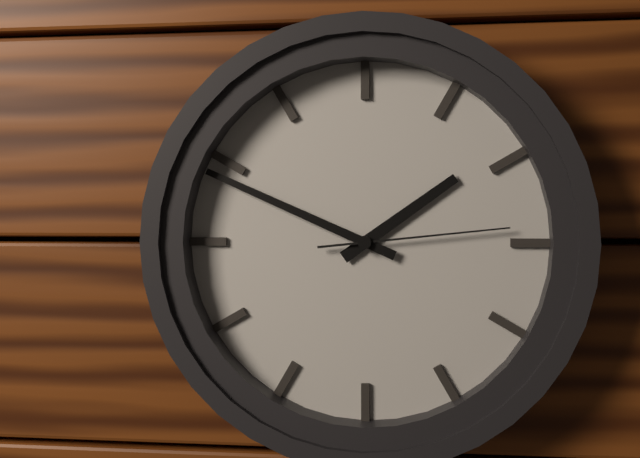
1:49:14
